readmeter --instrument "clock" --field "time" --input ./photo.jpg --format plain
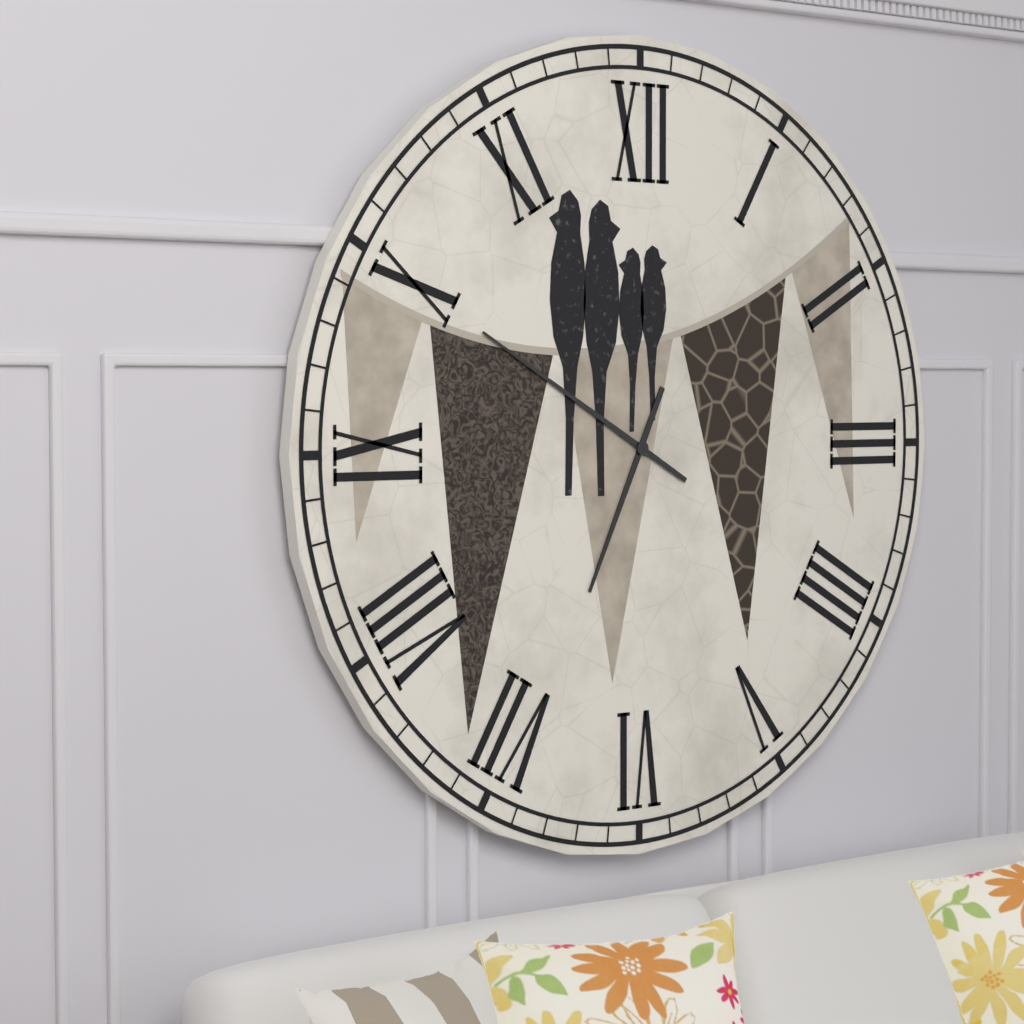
6:50
